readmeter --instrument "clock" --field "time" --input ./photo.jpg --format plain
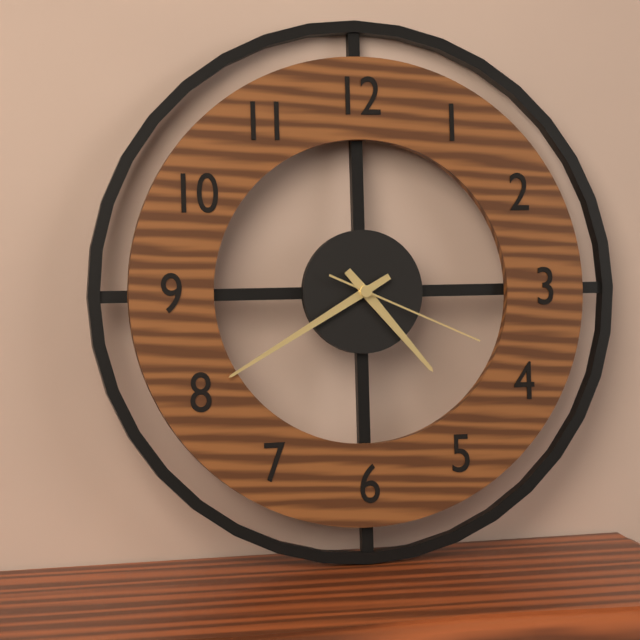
4:40:19
